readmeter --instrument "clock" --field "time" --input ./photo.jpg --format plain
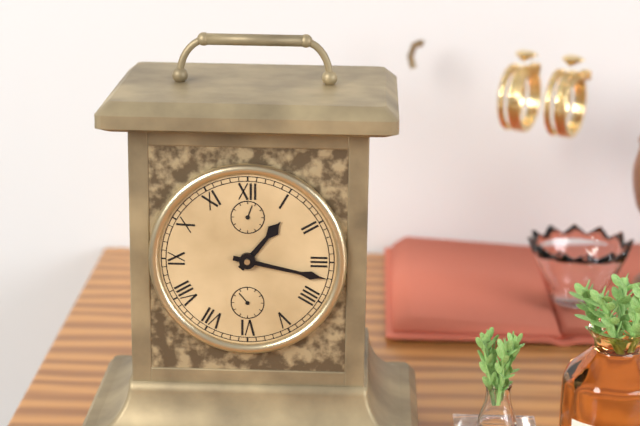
1:17
